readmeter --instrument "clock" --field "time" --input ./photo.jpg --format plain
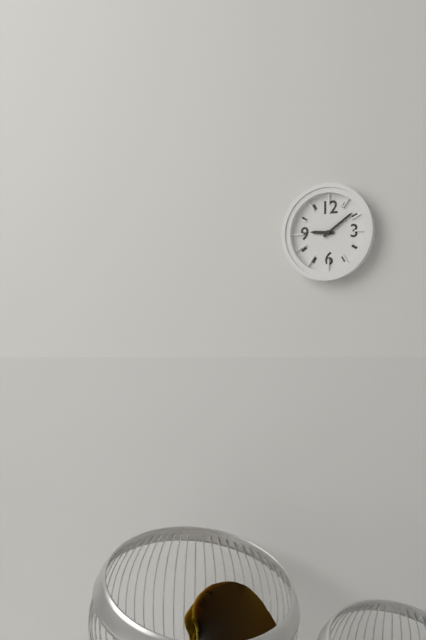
9:09
